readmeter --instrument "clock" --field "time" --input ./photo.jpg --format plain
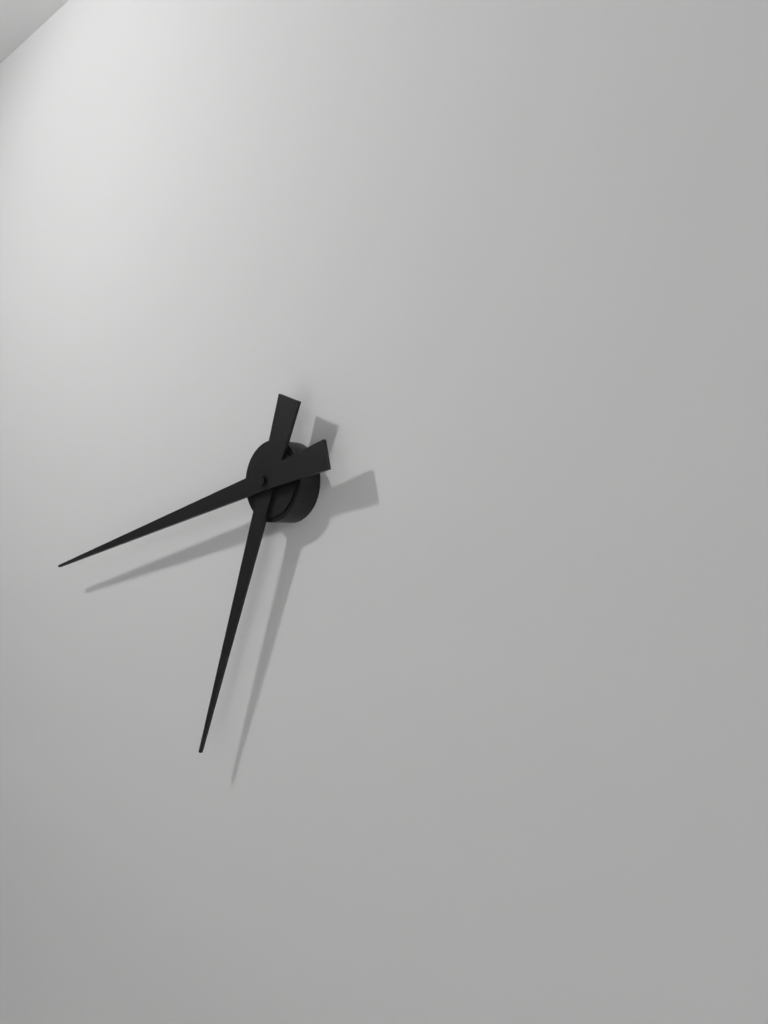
6:43
